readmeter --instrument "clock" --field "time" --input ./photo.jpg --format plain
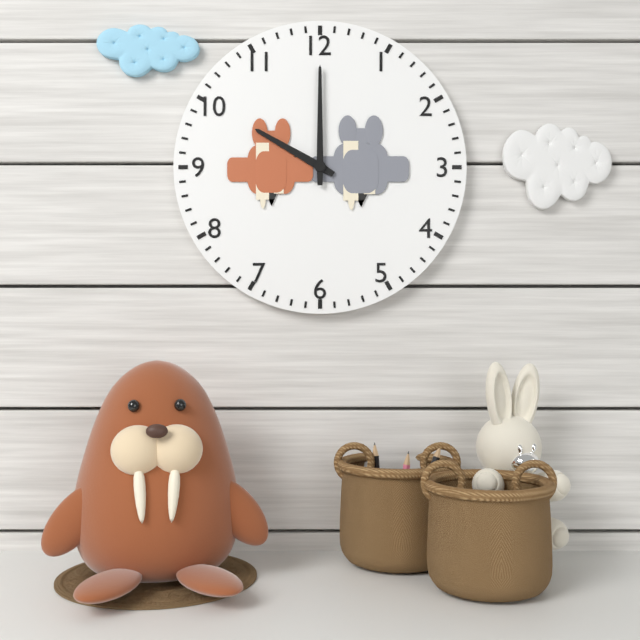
10:00
